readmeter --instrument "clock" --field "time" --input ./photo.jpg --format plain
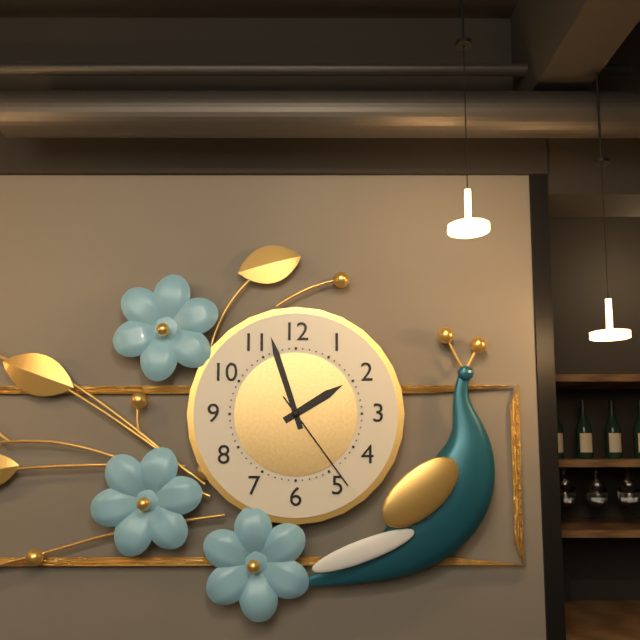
1:57:24
